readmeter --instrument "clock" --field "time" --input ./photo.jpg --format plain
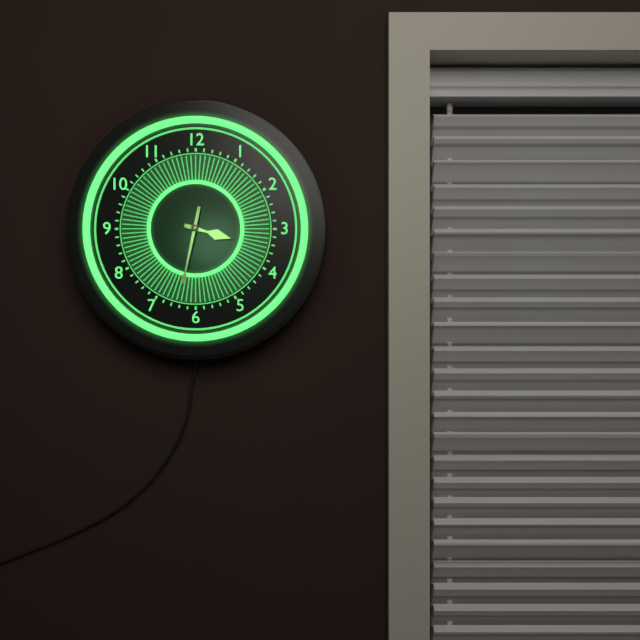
3:32
